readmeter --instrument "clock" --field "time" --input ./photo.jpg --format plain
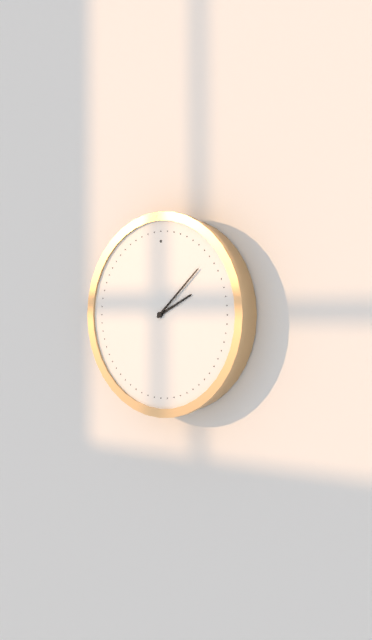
2:08
